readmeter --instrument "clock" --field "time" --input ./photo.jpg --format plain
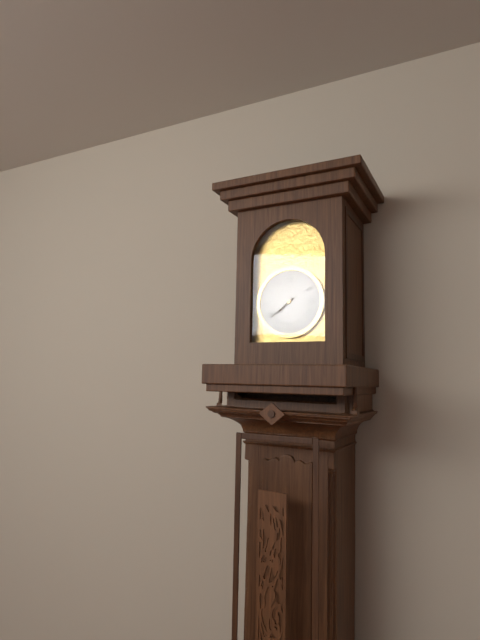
7:39
